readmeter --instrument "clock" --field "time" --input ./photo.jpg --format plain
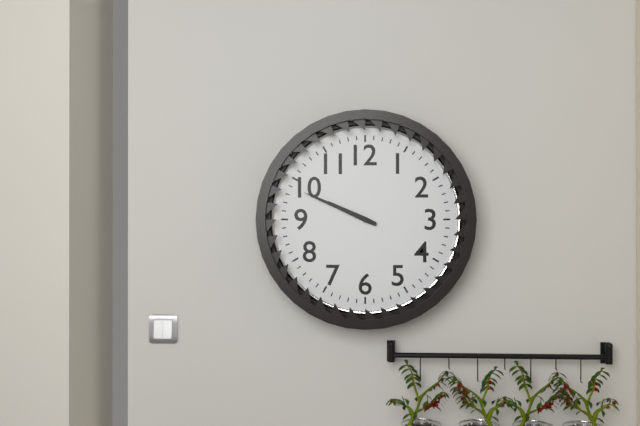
9:49
